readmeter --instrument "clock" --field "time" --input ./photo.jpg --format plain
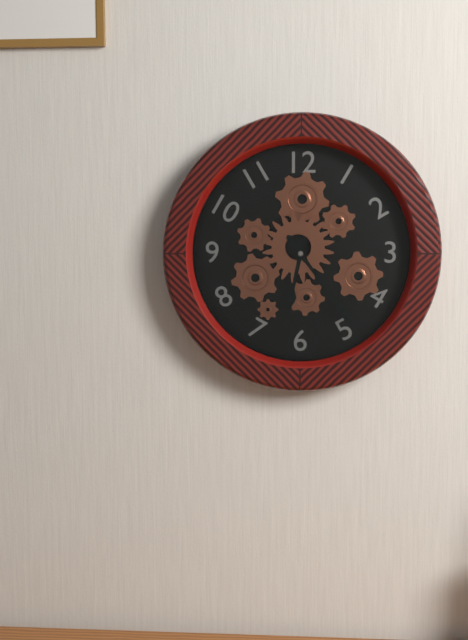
6:24
